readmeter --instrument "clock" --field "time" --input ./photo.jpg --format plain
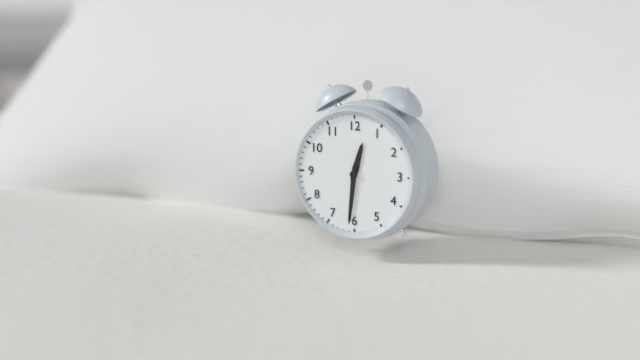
12:31
